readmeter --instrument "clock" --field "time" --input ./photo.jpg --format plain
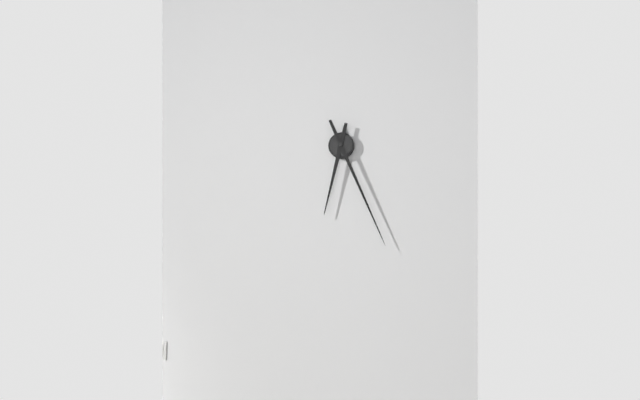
6:26
